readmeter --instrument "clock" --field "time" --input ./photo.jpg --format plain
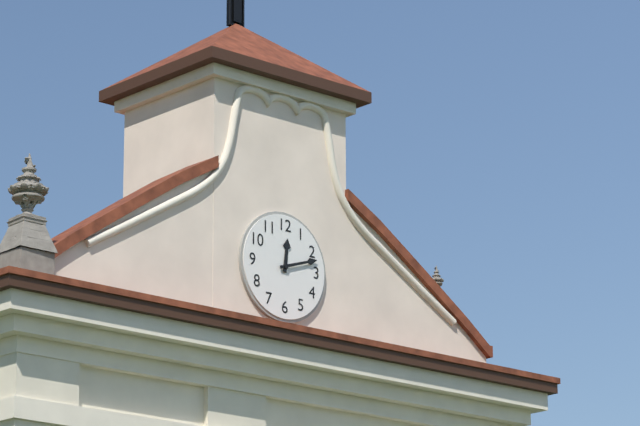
12:12
